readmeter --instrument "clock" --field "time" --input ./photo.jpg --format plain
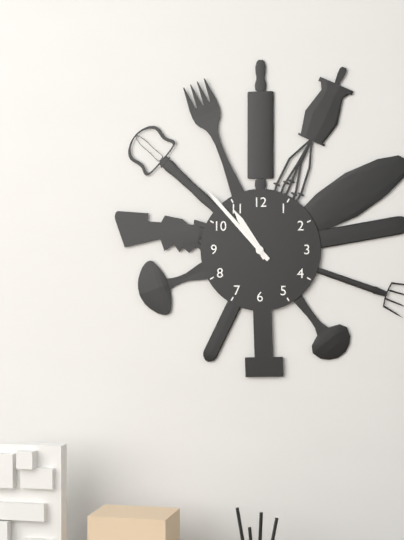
10:53
